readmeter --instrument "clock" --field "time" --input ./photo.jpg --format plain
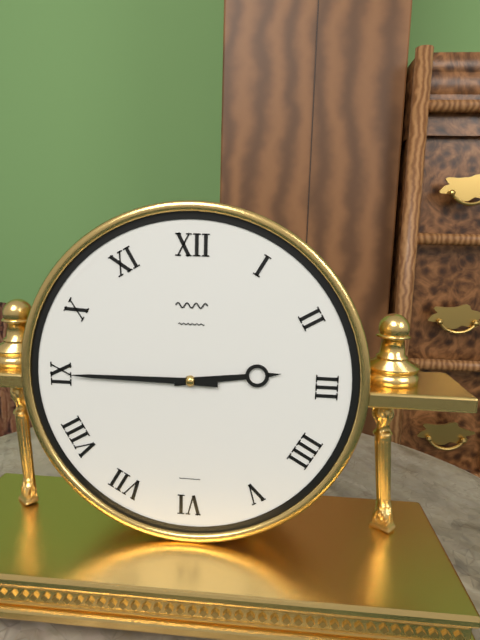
2:45
